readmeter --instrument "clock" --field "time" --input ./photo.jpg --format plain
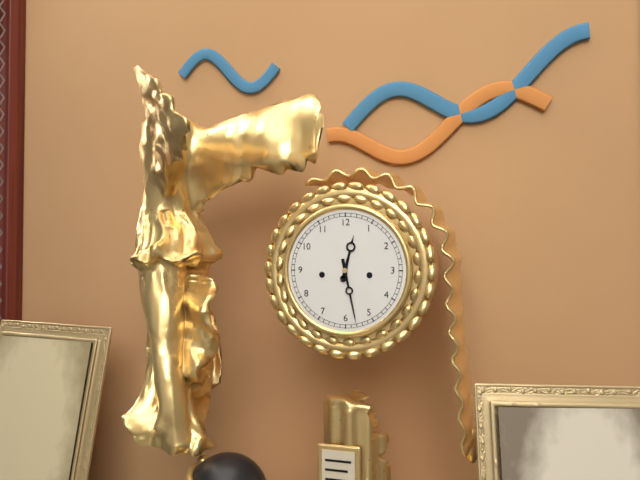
12:28
